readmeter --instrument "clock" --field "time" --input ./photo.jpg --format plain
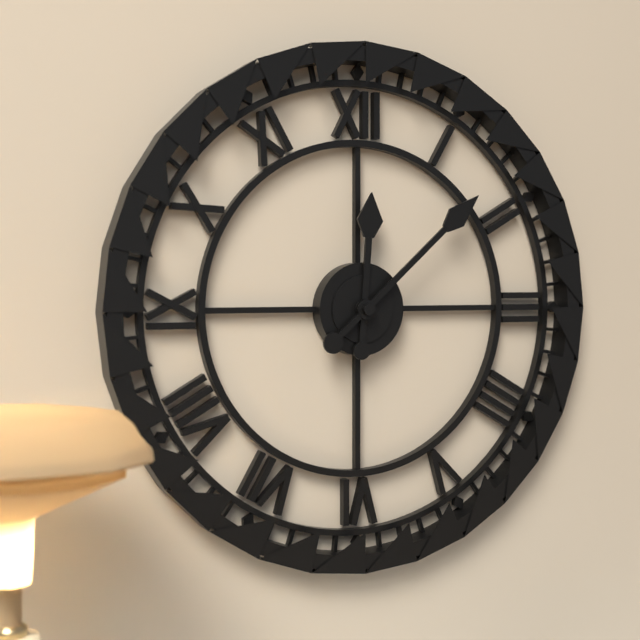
12:08
